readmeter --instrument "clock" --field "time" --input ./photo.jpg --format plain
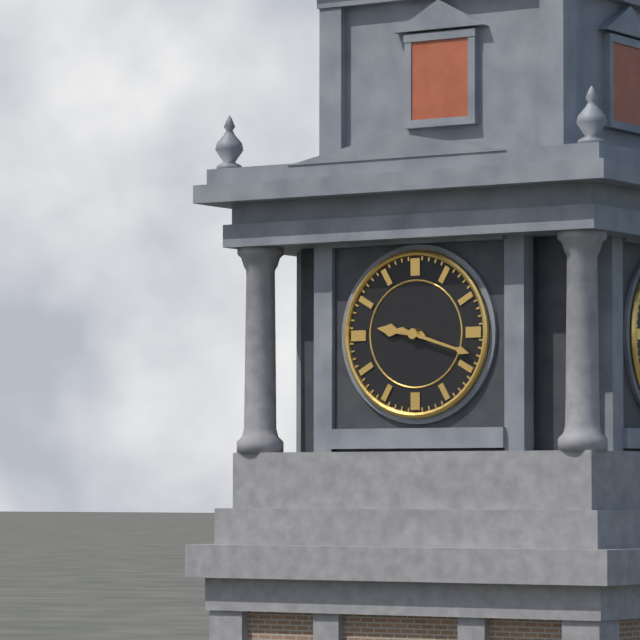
9:18
